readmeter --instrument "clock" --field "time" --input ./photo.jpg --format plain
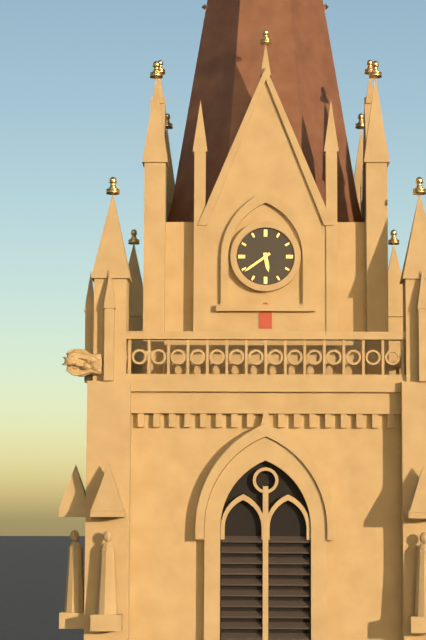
5:39
